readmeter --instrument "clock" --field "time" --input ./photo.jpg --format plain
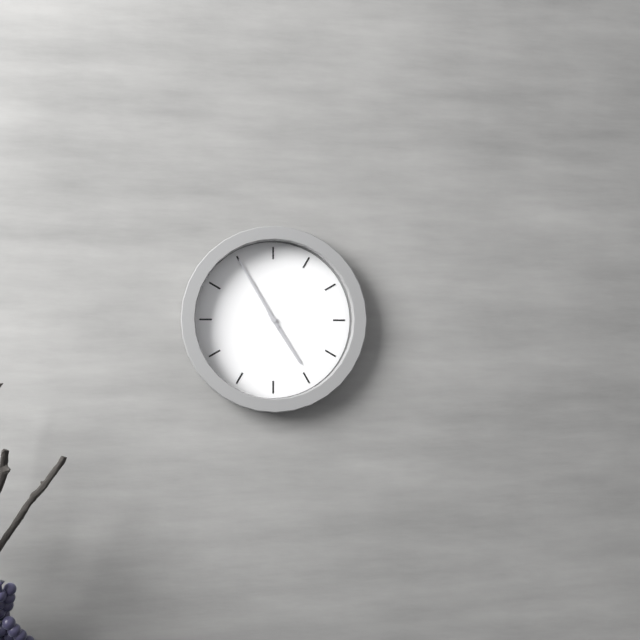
4:55
